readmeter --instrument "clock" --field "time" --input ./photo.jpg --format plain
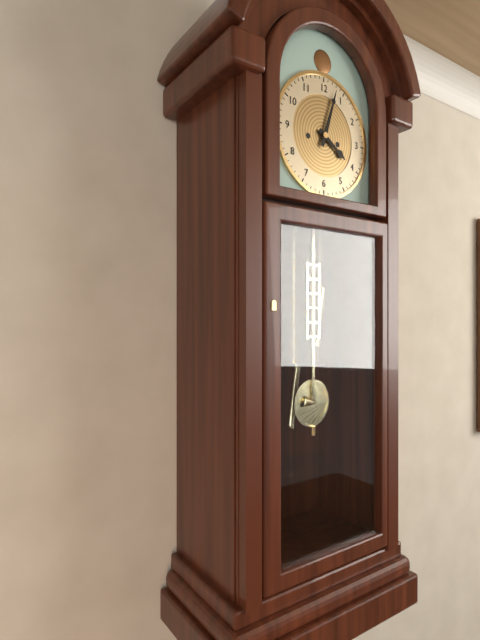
4:03
